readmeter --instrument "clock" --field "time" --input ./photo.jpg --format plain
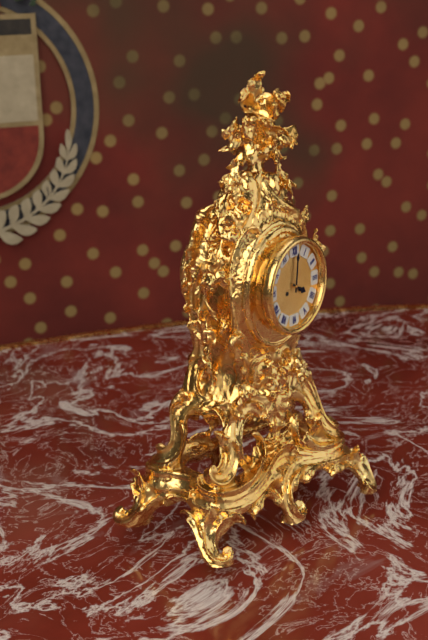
4:01
